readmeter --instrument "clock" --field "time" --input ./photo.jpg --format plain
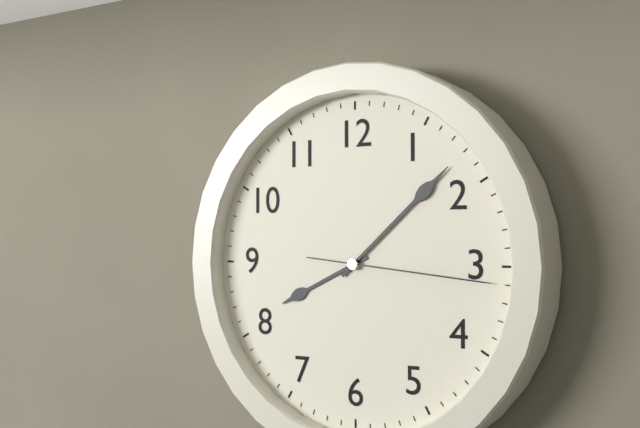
8:08:16
